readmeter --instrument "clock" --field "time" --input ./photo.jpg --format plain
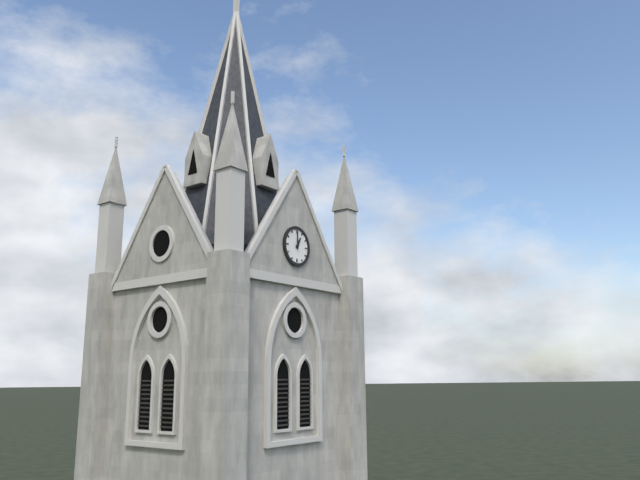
1:00
